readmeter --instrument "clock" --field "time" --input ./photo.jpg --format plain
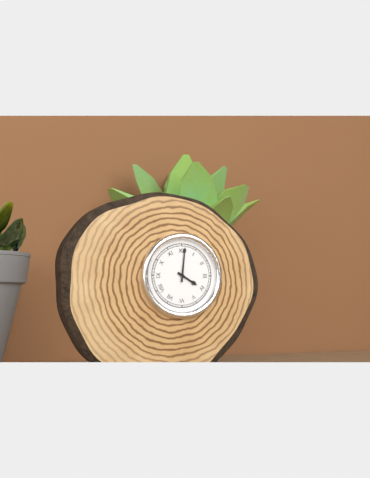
4:01
